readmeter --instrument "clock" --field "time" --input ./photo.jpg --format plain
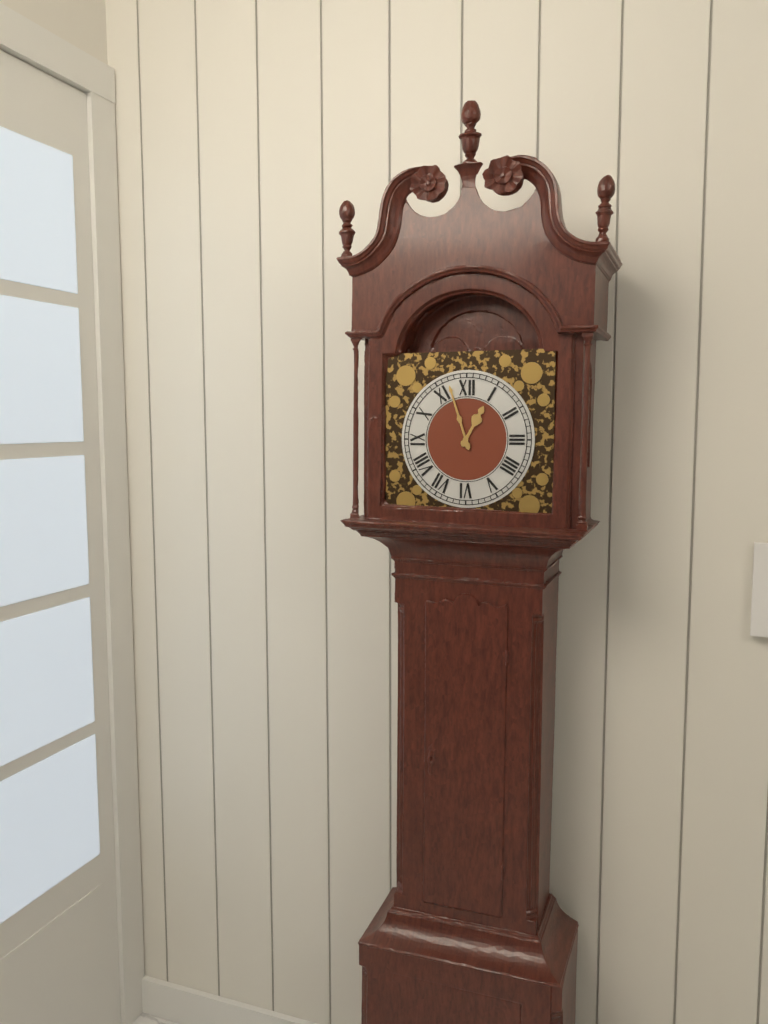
12:57
